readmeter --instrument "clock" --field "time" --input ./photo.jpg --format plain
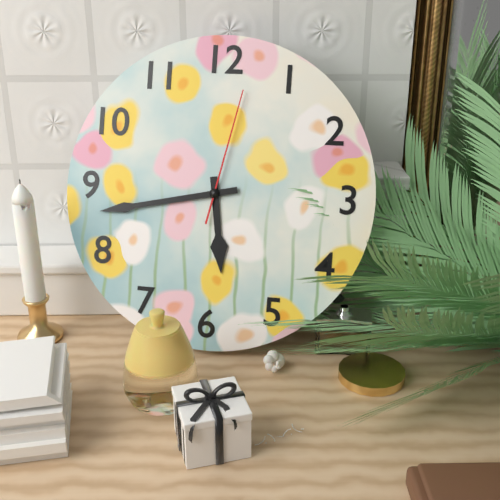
5:43:02
